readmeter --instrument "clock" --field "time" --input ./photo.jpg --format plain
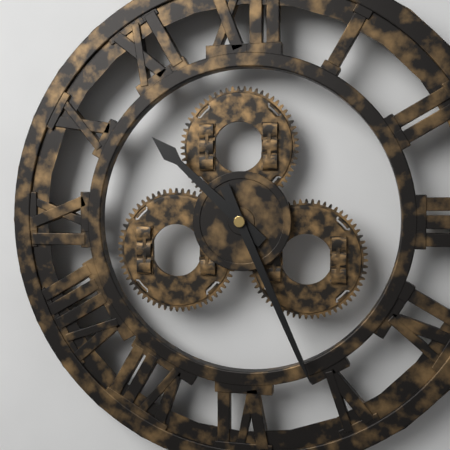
10:26
